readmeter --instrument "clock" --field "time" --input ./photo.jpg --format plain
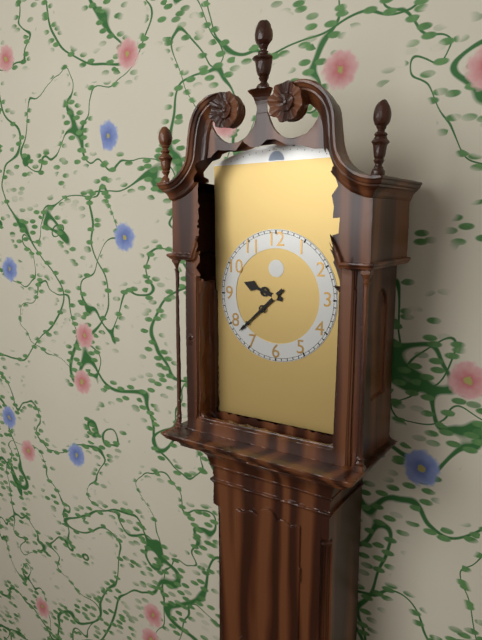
9:38
